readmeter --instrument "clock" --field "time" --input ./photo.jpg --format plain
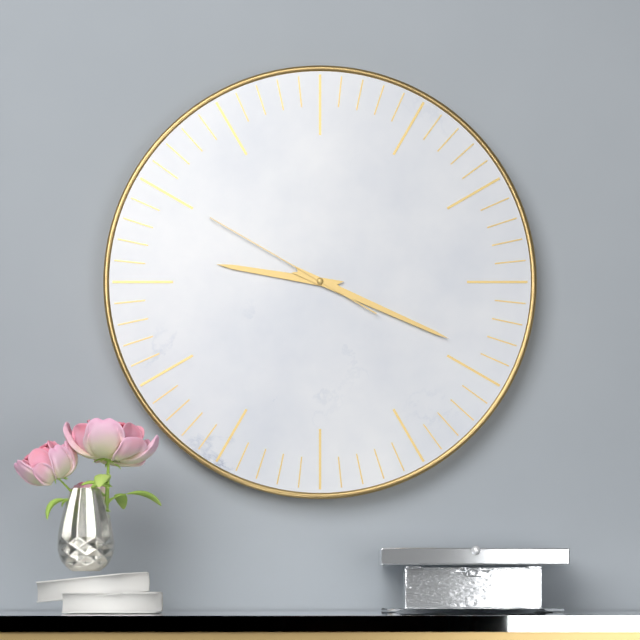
9:19:50
